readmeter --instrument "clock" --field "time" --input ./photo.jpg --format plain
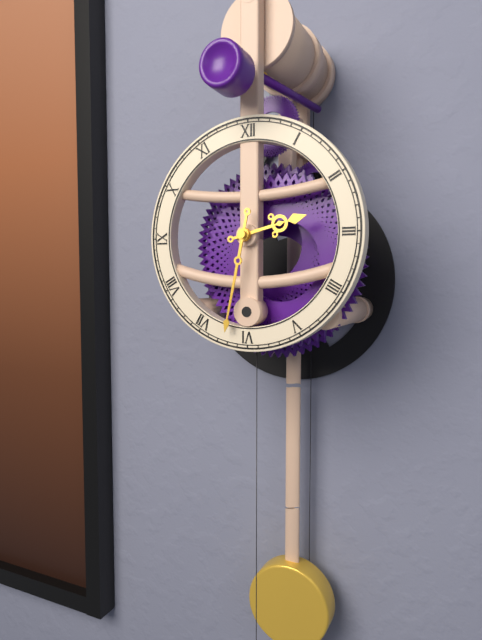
2:32
